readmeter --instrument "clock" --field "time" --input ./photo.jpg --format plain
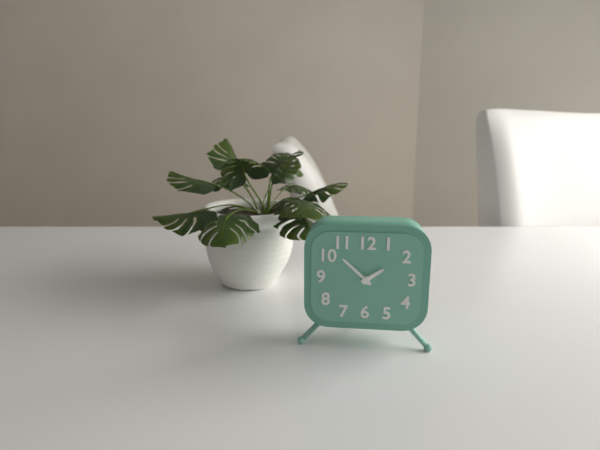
1:52
